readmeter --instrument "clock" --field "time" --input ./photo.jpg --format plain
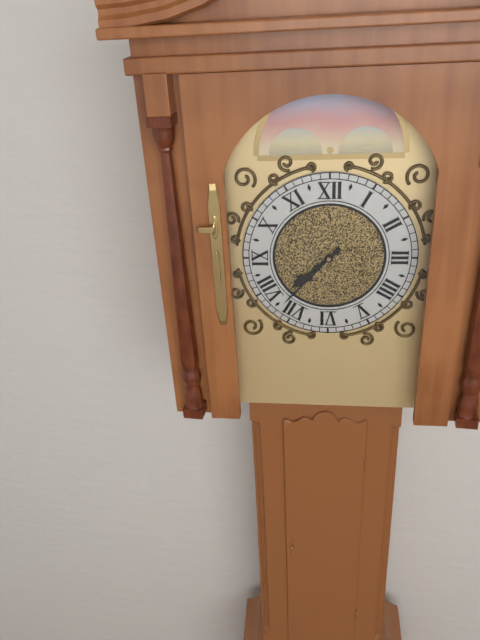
7:37
